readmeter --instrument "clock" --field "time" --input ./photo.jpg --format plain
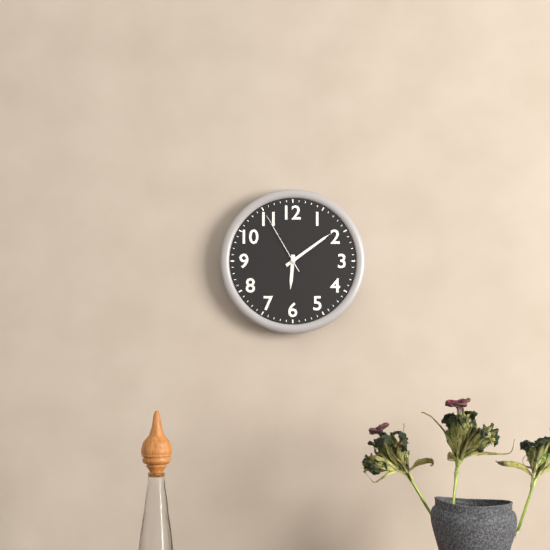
6:09:55
